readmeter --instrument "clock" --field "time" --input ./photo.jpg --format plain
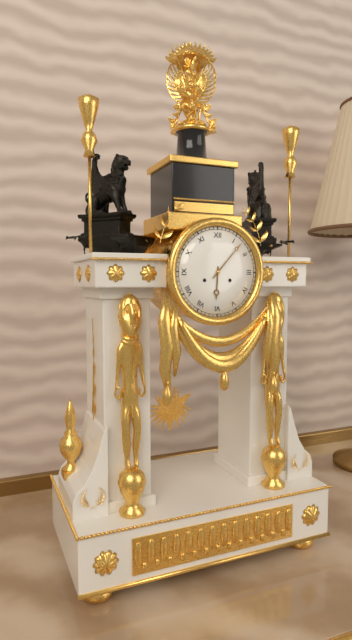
6:07
